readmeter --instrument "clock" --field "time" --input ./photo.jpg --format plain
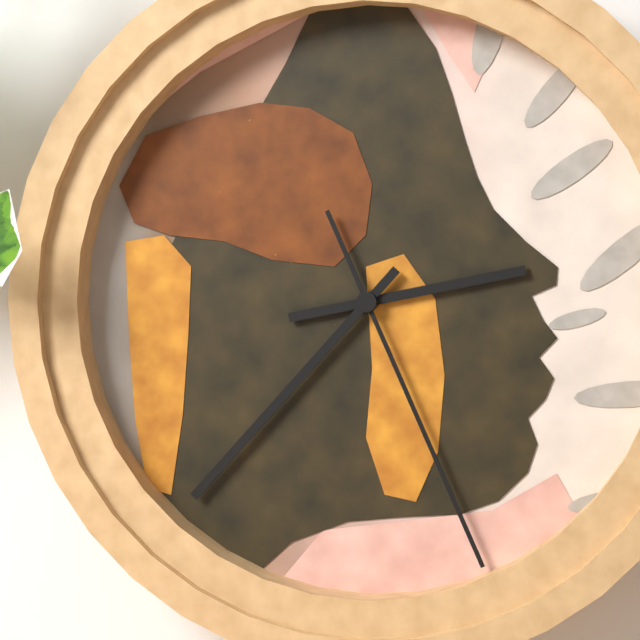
2:37:26
